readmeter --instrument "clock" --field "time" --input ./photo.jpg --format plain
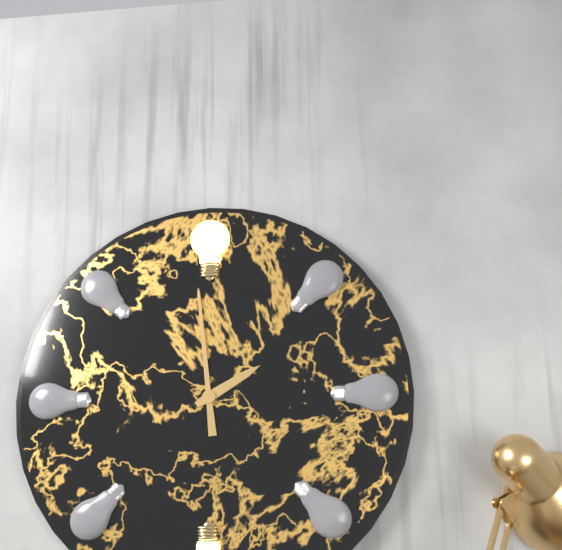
1:59
